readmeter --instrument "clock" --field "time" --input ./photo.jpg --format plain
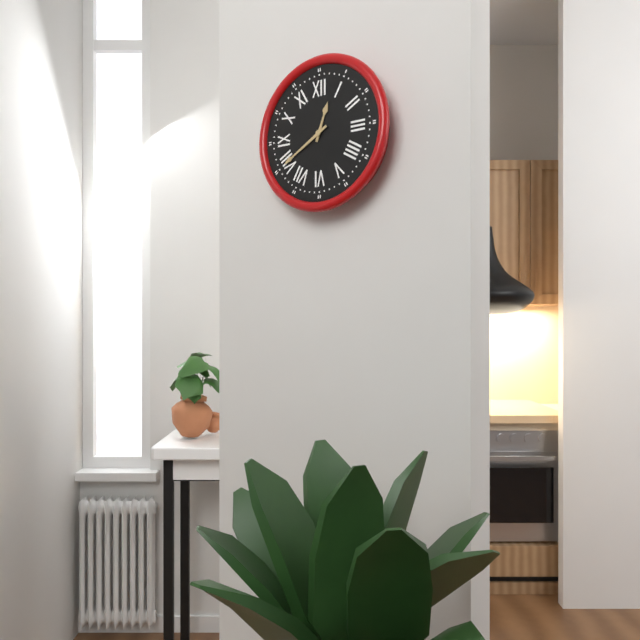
12:40
